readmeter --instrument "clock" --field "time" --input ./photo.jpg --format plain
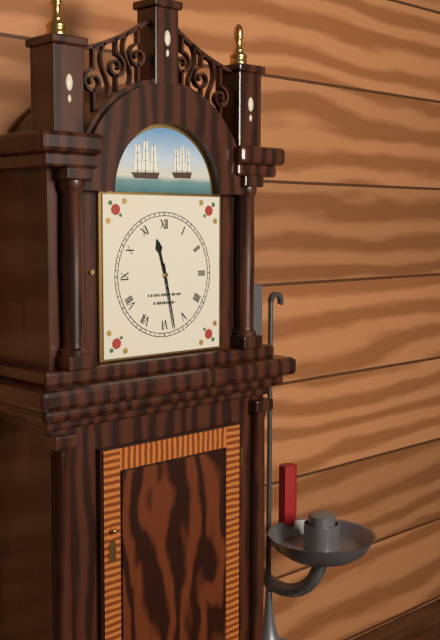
11:28
